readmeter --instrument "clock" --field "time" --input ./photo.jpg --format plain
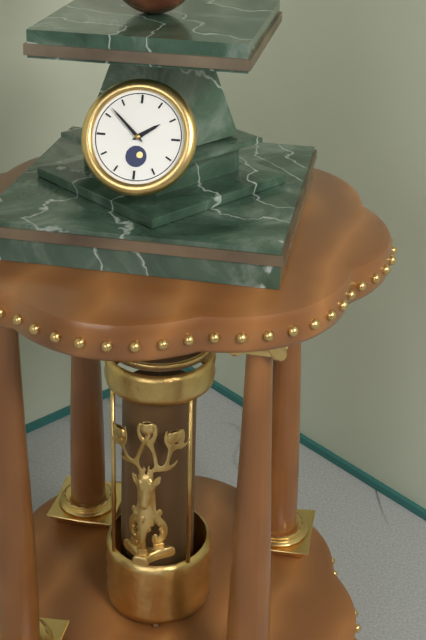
1:52
